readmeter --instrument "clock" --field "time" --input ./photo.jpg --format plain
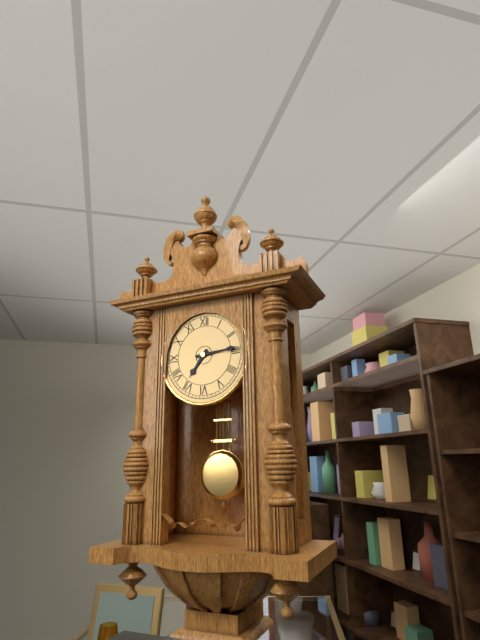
7:14
